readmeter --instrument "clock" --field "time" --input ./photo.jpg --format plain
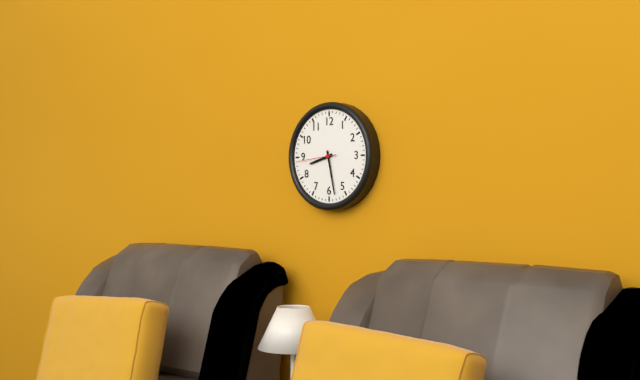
8:28
